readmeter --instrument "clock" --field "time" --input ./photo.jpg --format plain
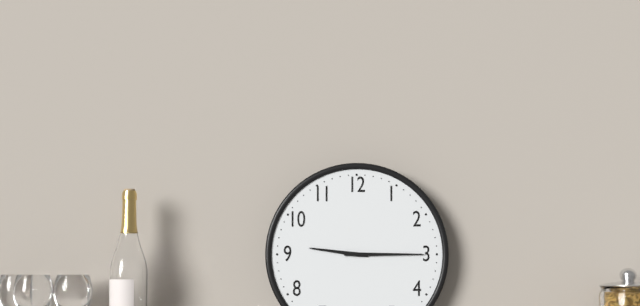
9:15
